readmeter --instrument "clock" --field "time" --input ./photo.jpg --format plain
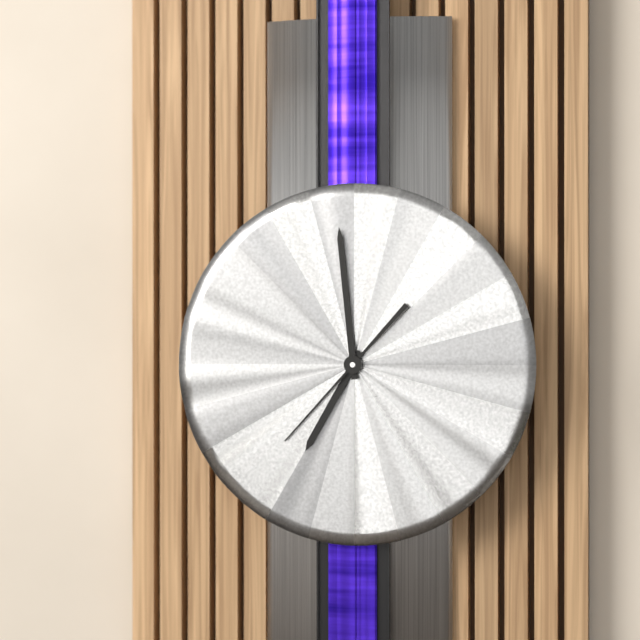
6:59:37
